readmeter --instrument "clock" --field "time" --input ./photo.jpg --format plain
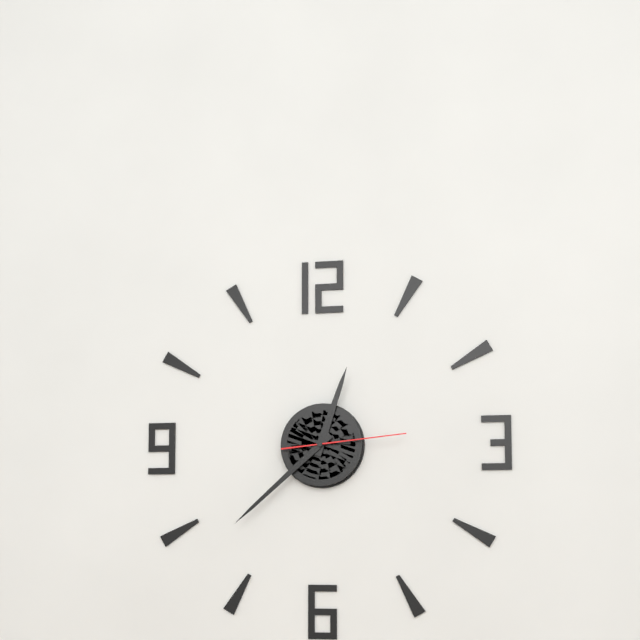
12:38:14
